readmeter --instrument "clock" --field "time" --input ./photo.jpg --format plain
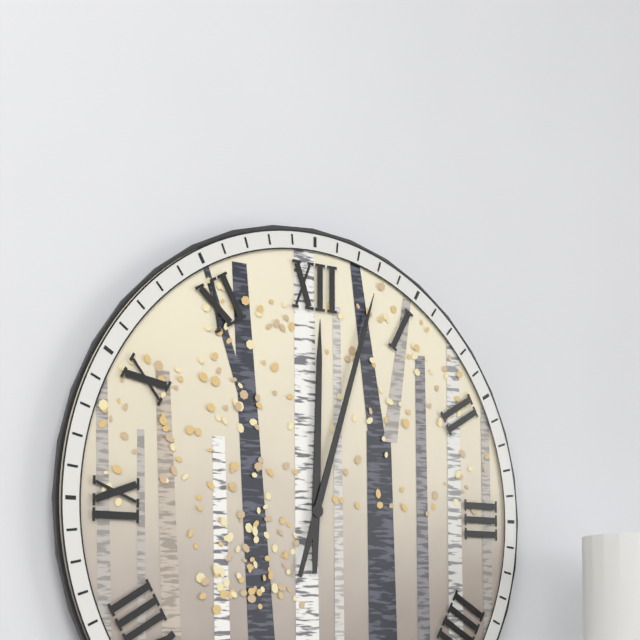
12:03
